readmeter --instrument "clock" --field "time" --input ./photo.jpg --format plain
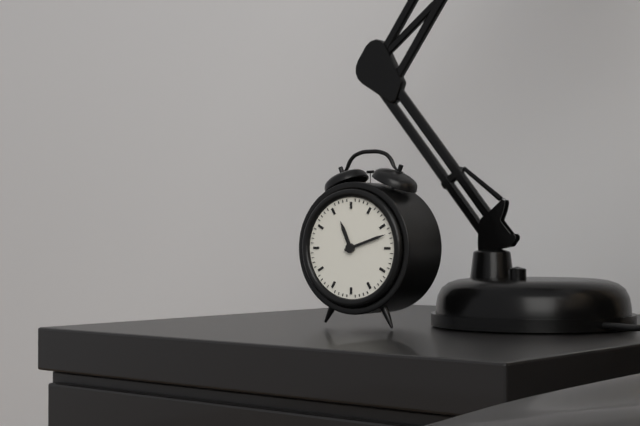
11:12
